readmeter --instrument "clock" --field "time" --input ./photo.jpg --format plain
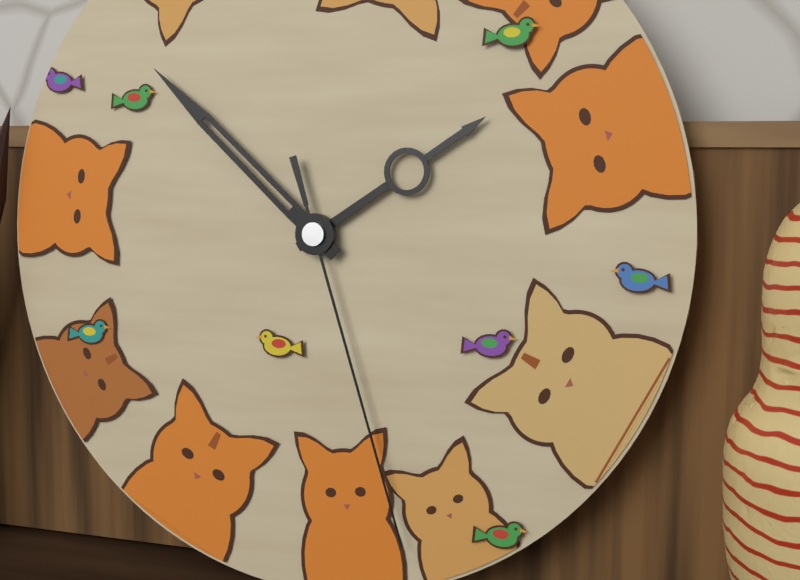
1:52:27
